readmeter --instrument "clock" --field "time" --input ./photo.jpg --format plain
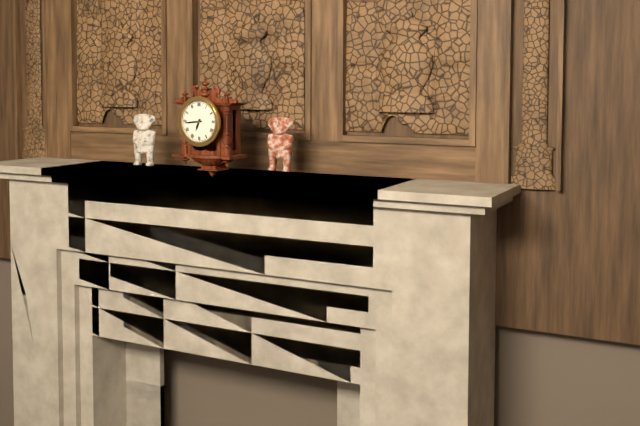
6:44
